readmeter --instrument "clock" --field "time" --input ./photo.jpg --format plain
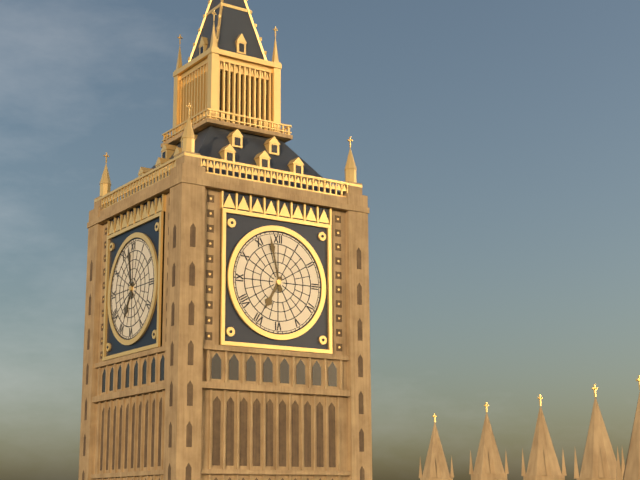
6:58
